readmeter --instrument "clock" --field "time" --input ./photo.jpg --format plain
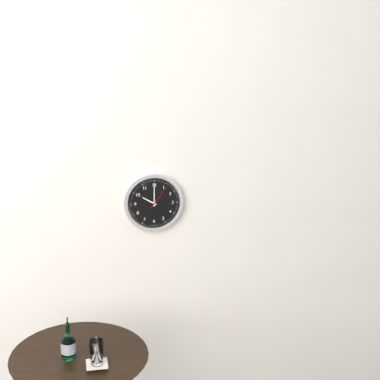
10:00
